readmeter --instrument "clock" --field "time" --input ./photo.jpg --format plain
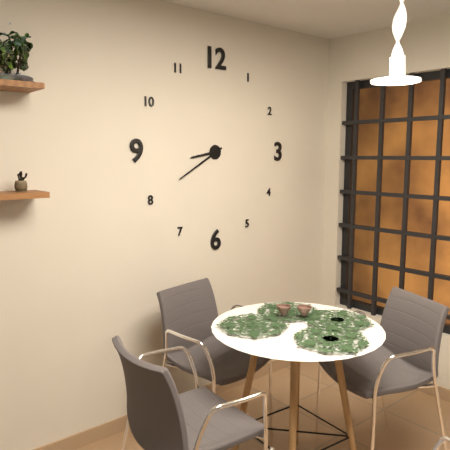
8:40
